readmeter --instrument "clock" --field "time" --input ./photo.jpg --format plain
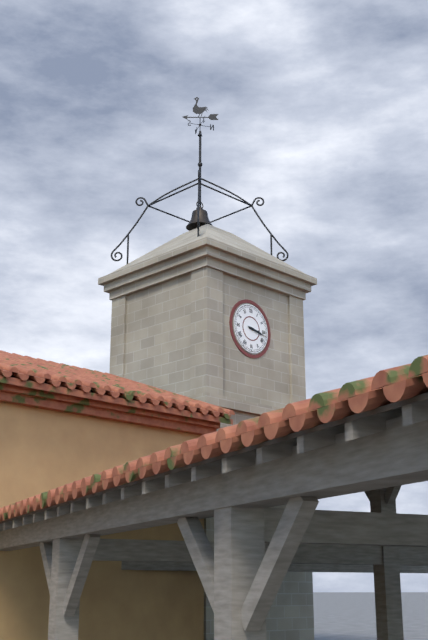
3:17
